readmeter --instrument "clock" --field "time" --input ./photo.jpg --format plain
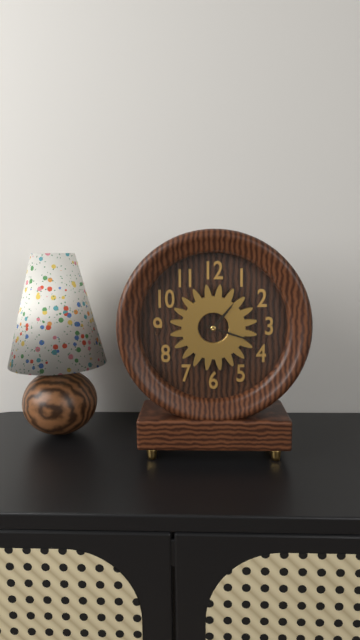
1:18
